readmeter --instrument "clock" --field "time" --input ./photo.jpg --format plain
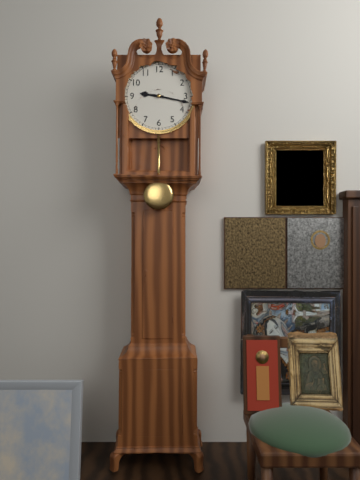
9:17
